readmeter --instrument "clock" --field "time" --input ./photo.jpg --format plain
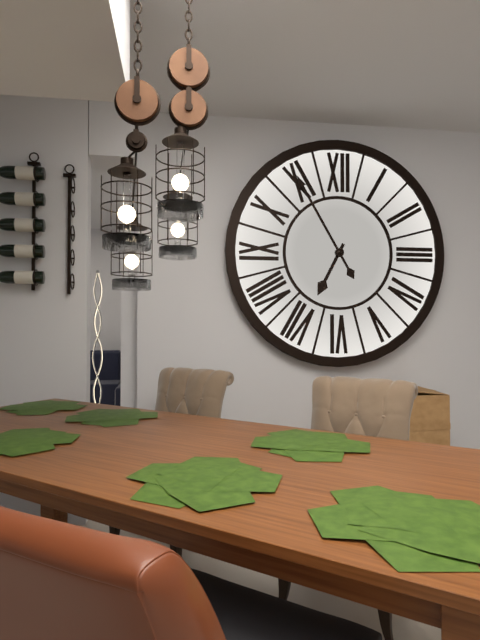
6:55
